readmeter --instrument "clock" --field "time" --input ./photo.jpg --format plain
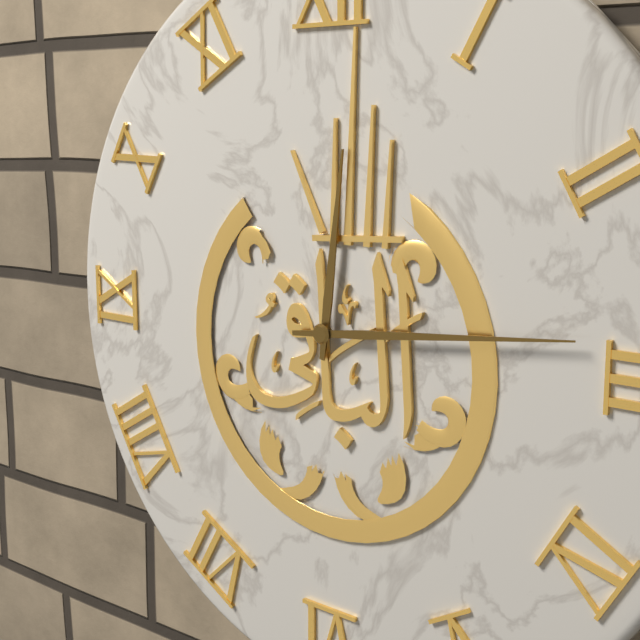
12:14
